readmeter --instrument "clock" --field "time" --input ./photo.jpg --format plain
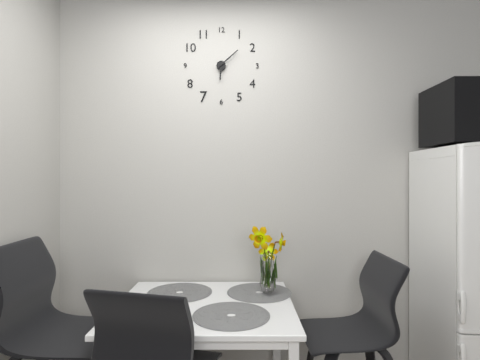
6:08
